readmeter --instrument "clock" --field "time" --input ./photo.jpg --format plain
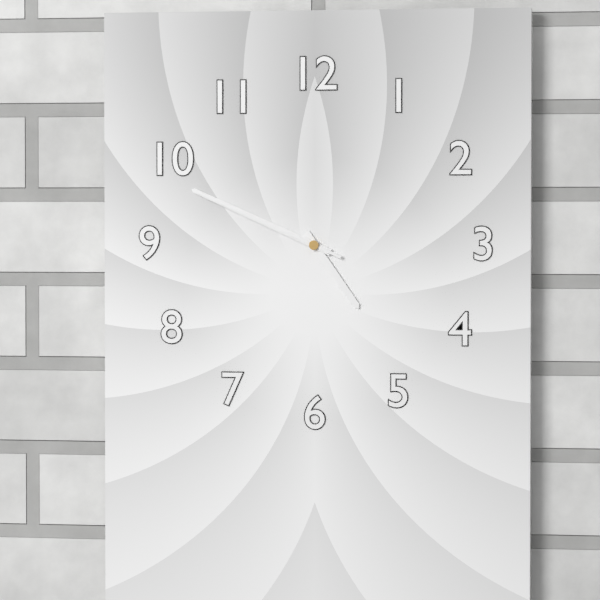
4:49:49
